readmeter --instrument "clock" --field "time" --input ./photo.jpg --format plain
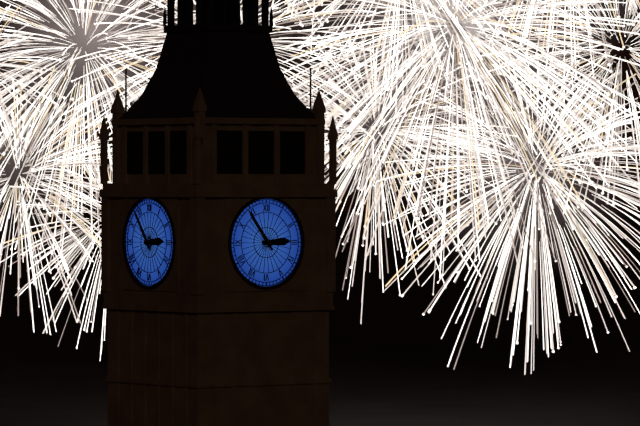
2:54
